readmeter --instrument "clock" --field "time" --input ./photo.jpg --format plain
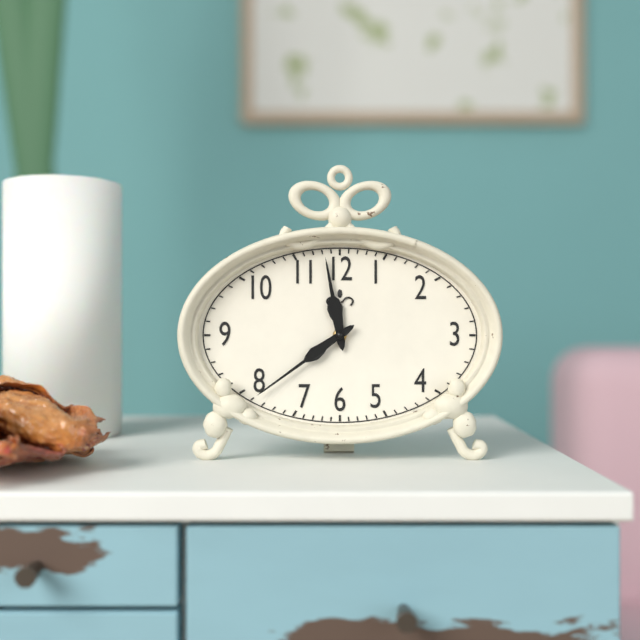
11:39
